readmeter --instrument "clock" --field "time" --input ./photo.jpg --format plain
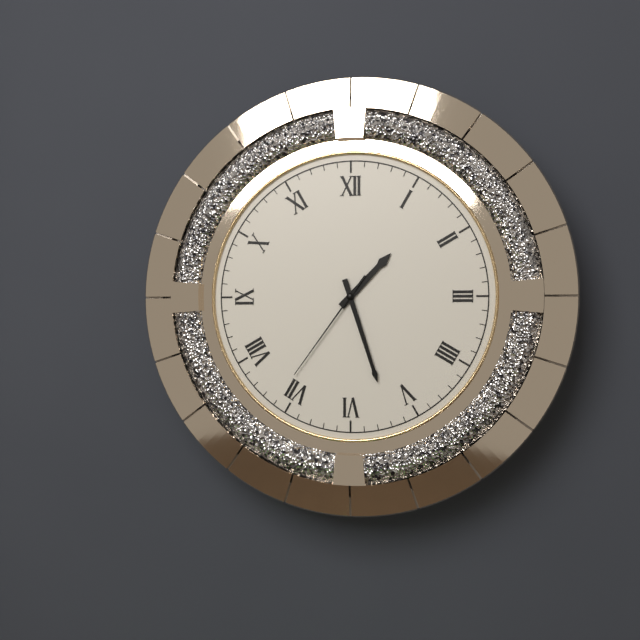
1:27:36
